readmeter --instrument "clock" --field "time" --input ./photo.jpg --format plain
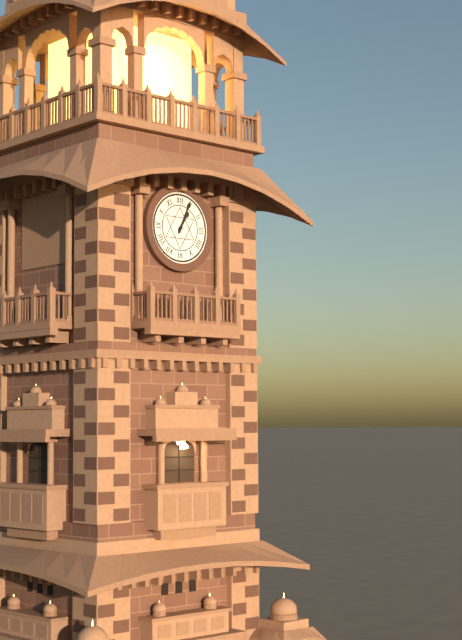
1:04
